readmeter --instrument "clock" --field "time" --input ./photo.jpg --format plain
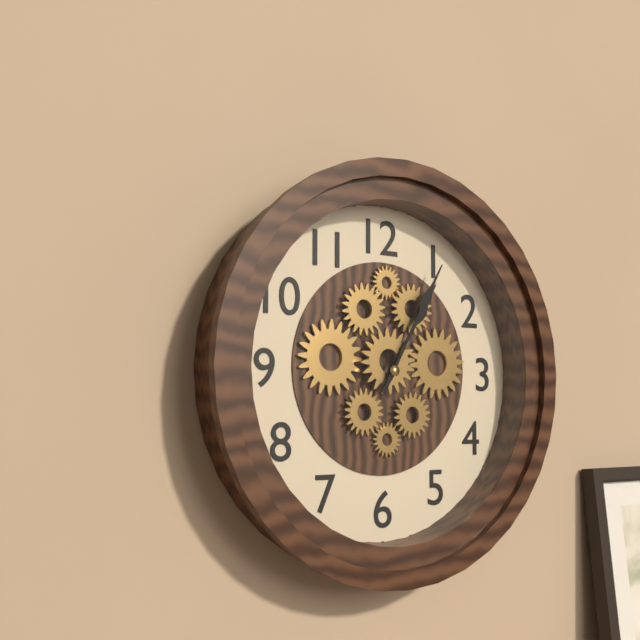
1:05
